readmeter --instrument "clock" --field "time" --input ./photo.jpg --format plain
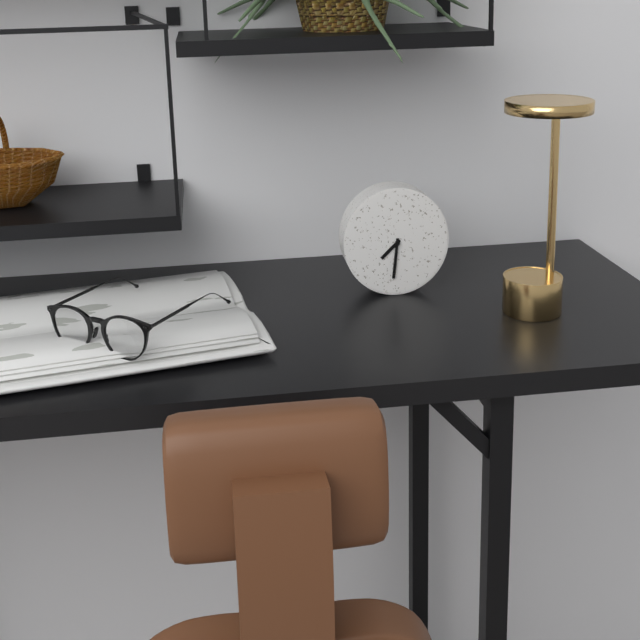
7:31
